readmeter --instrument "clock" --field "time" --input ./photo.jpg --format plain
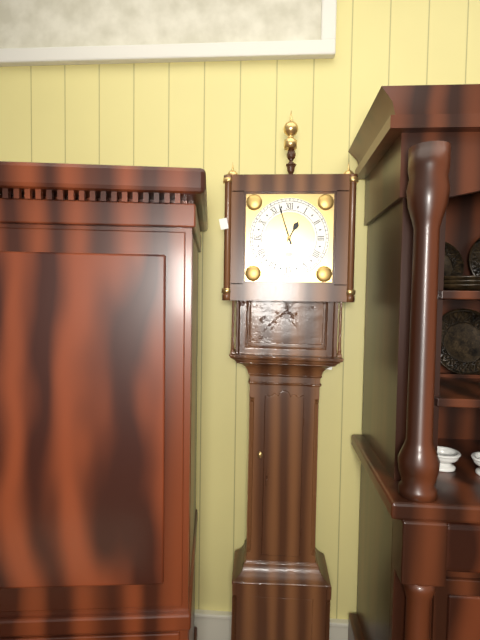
12:57
